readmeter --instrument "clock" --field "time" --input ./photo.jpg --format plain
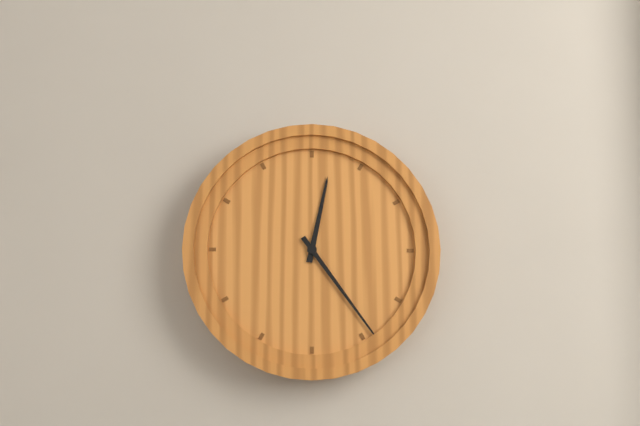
12:24
